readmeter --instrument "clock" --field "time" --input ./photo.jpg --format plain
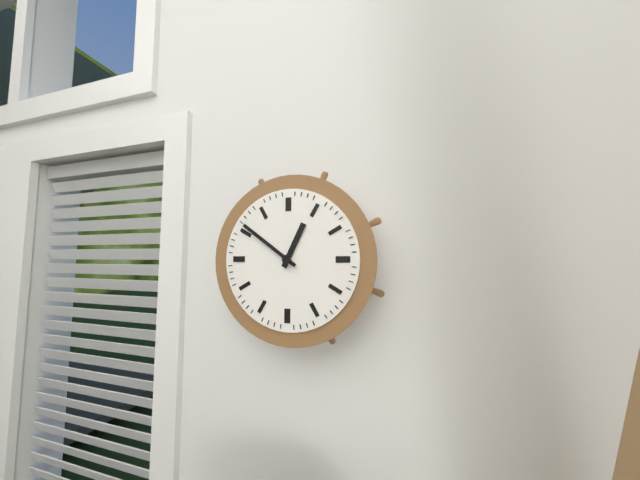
12:51
